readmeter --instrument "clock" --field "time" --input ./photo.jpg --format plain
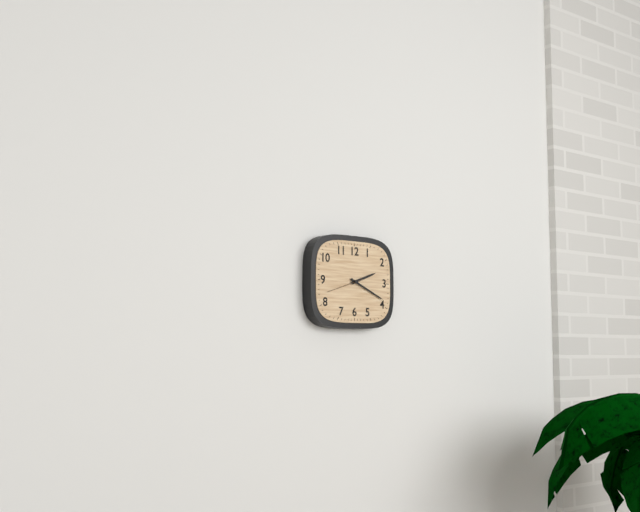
2:19
